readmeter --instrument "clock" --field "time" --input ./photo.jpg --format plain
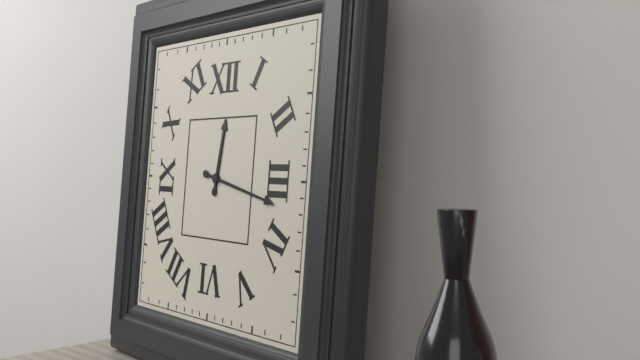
12:17
